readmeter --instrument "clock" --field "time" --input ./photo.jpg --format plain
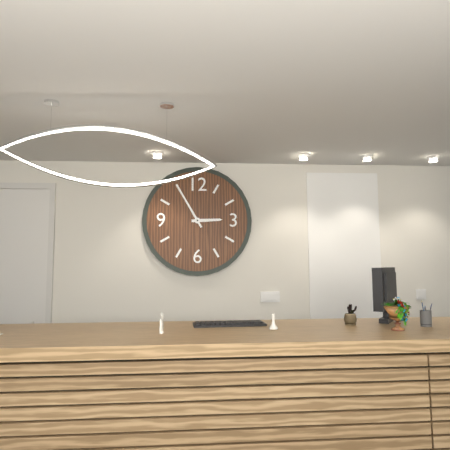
2:55
